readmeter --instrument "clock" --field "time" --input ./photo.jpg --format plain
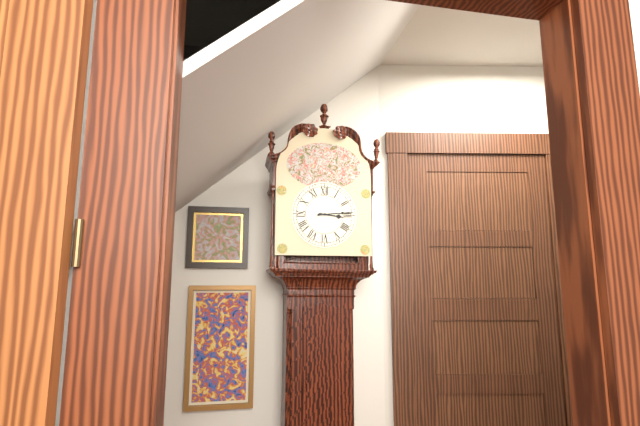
3:14
